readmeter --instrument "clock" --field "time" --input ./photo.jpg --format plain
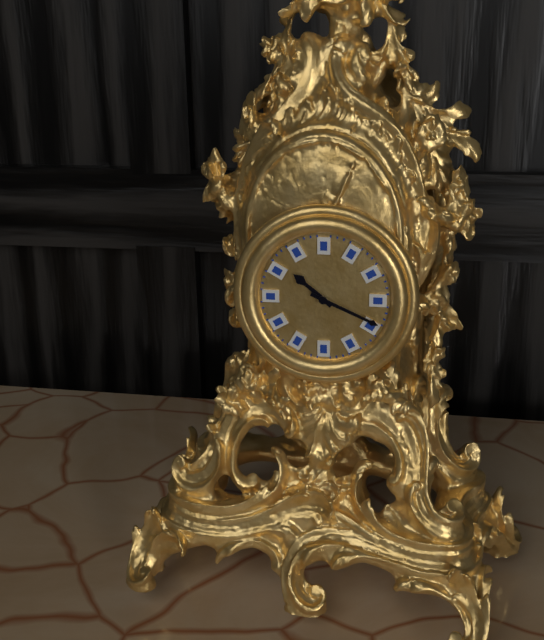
10:19
